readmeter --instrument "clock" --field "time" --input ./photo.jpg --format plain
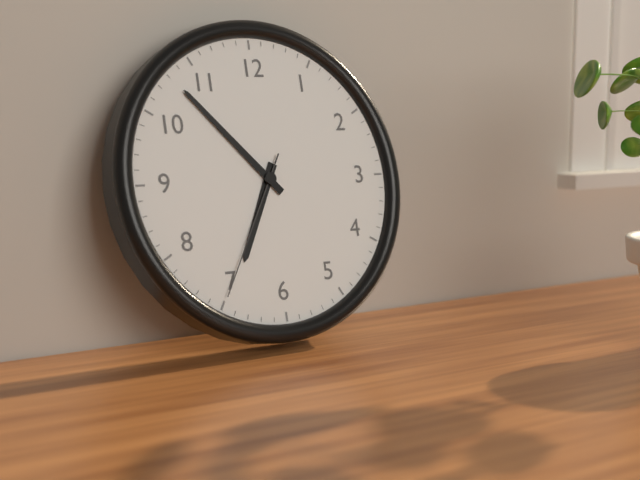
6:53:35
